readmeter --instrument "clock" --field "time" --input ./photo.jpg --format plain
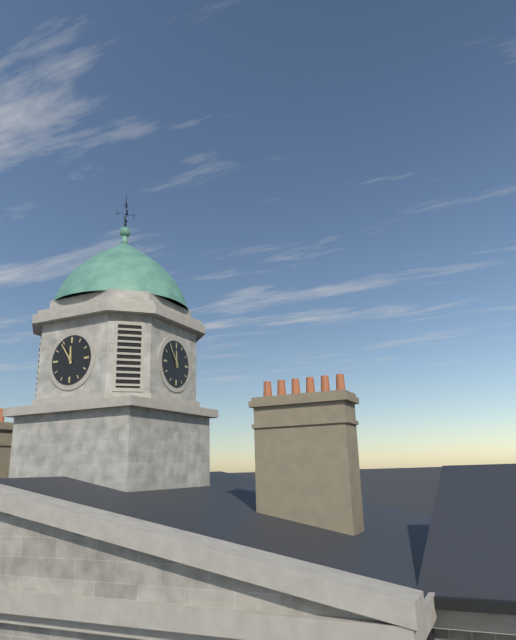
11:54
